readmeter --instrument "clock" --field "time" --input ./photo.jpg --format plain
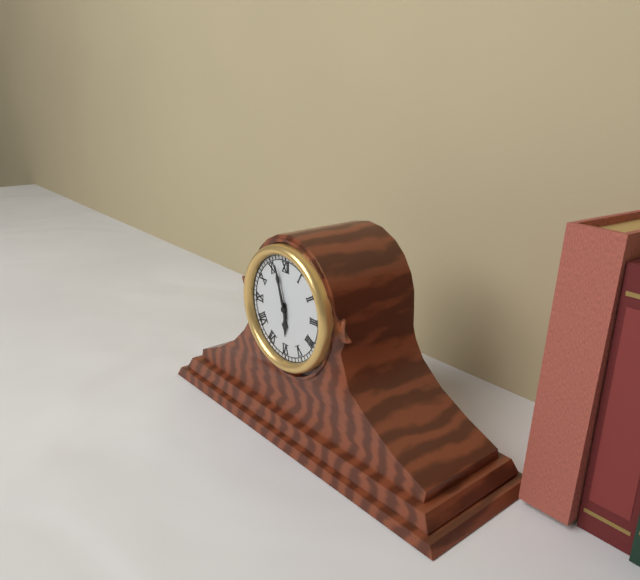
5:57
